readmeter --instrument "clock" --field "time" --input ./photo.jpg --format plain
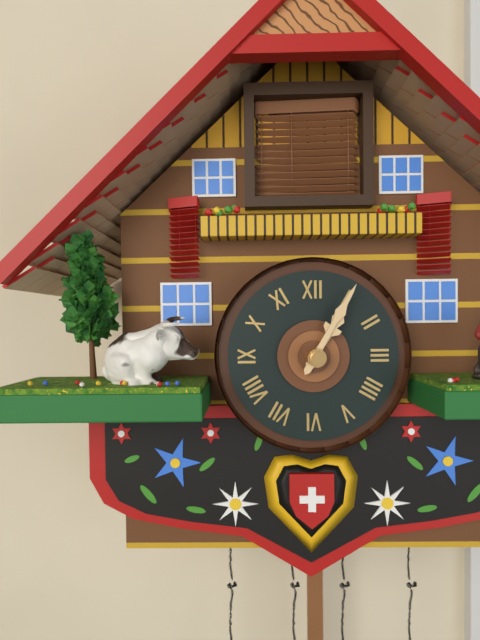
1:05
